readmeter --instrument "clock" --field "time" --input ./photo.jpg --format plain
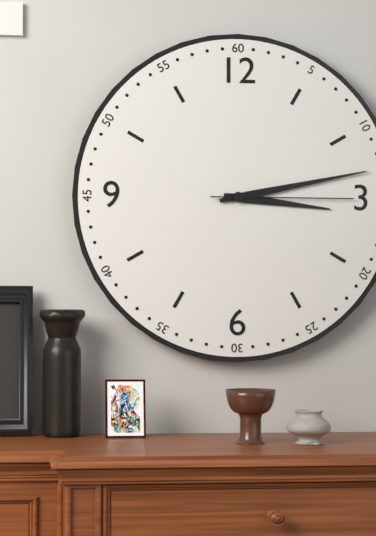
3:13:15
